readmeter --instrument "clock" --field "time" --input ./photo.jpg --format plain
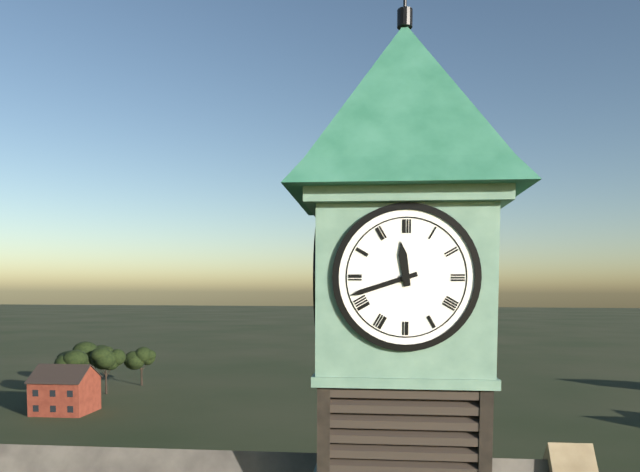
11:42
